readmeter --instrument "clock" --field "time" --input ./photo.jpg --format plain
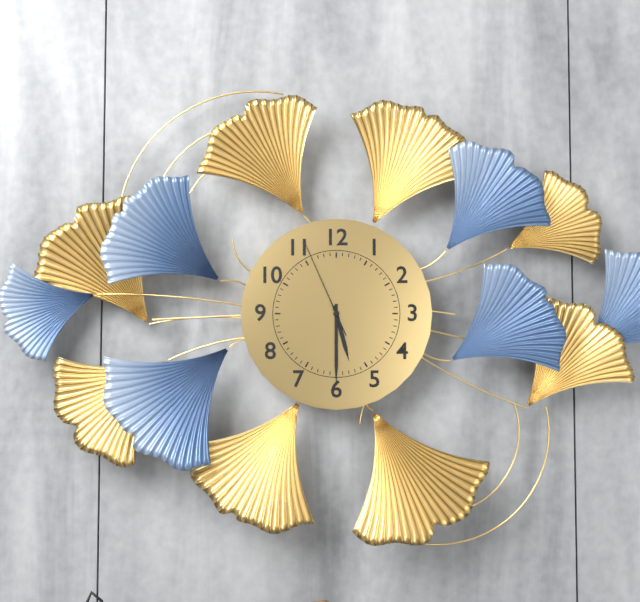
5:30:56
